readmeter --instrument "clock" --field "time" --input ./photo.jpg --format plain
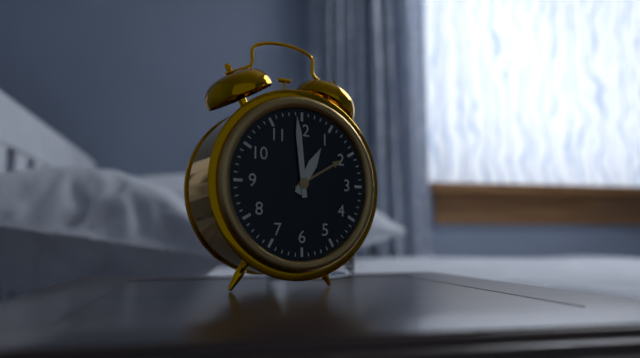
12:59
